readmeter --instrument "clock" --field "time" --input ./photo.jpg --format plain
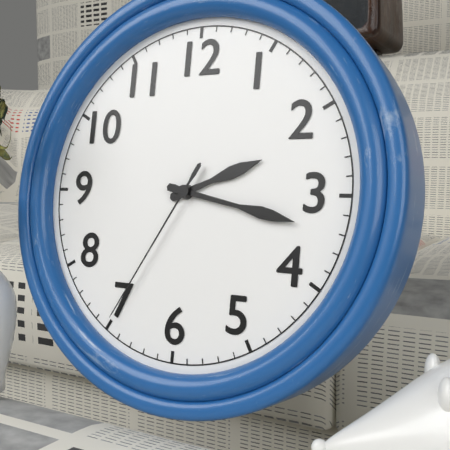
2:17:35
